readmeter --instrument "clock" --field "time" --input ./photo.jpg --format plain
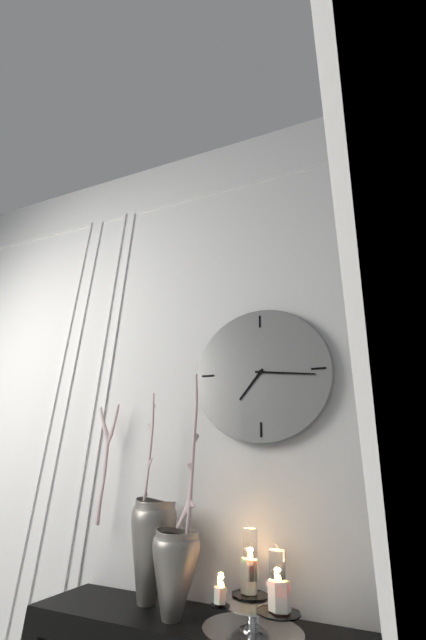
7:16
